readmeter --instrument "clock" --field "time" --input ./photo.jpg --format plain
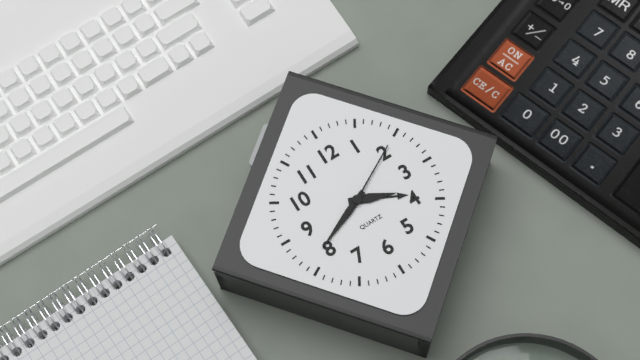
3:41:10
